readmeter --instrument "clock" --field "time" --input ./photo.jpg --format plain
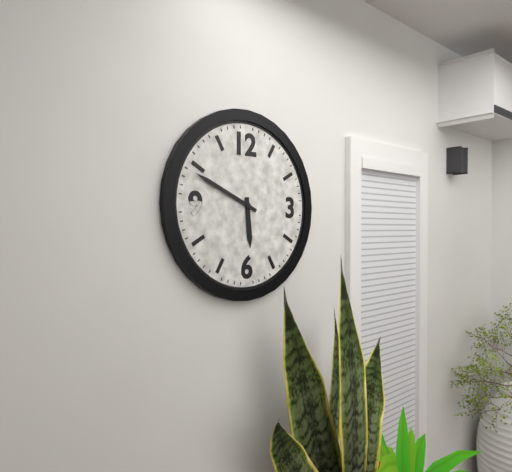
5:49
